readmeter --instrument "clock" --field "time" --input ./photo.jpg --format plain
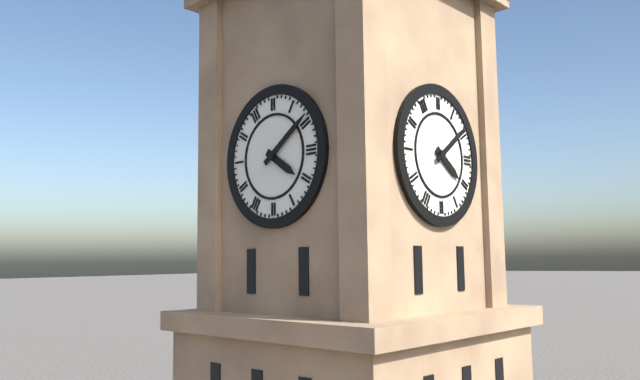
4:09
